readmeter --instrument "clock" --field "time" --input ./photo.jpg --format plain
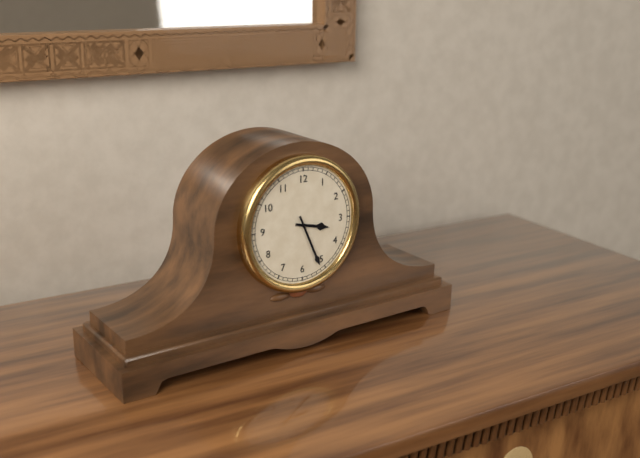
3:26
